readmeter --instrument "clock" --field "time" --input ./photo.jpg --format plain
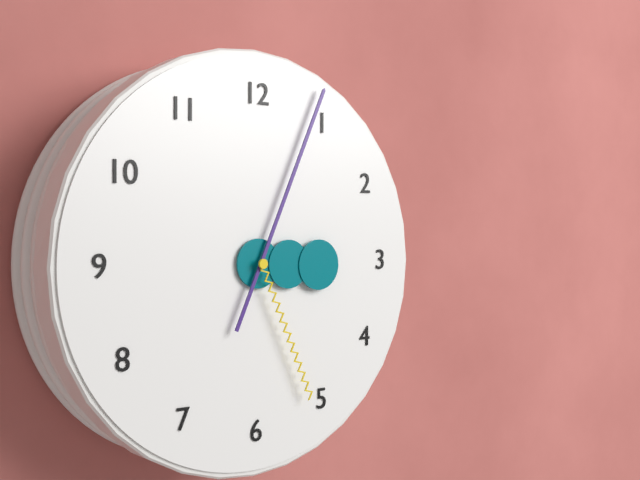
3:04:26
